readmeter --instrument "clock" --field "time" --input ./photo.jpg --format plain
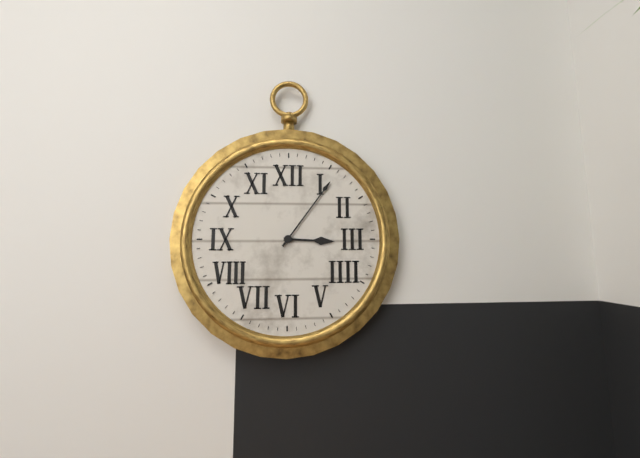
3:06
